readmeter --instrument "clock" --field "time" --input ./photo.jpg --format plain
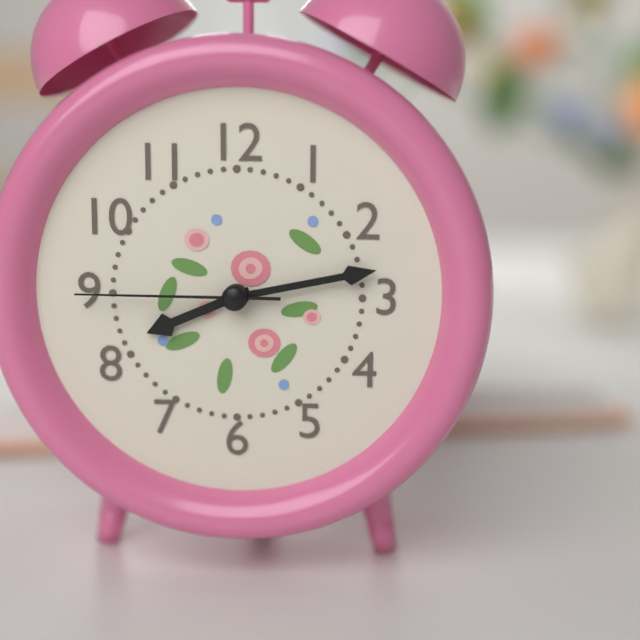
8:13:45
